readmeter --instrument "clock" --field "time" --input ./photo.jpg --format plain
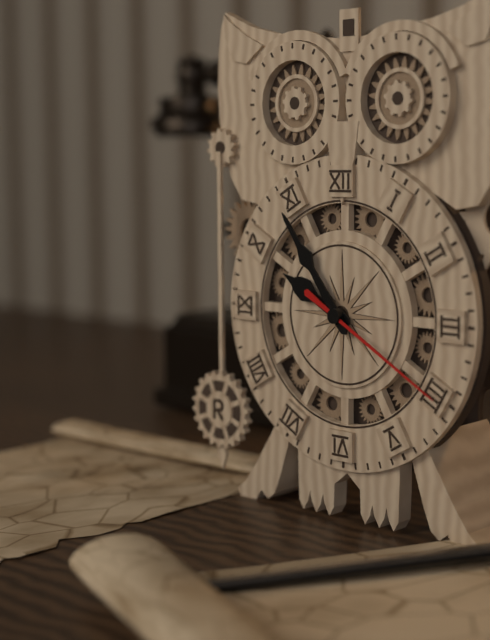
9:54:20
